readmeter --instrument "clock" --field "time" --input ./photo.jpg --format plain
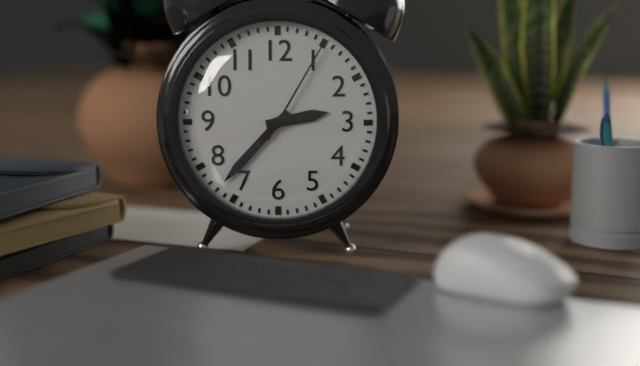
2:37:05
